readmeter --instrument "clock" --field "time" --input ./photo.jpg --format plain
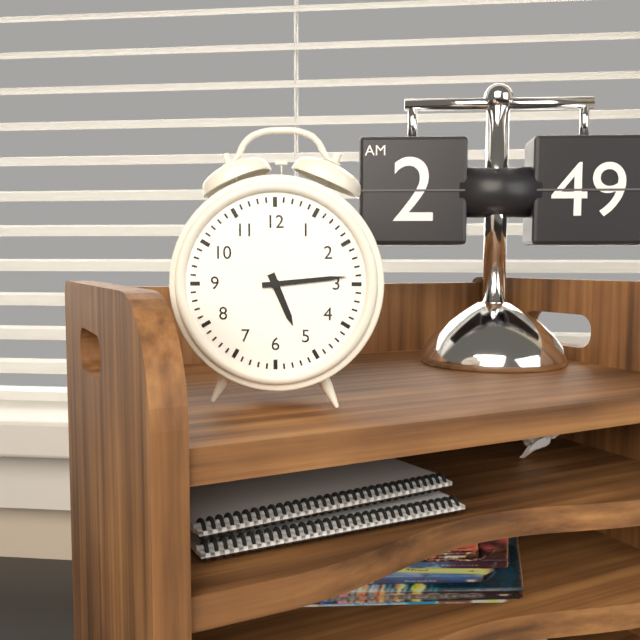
5:14
